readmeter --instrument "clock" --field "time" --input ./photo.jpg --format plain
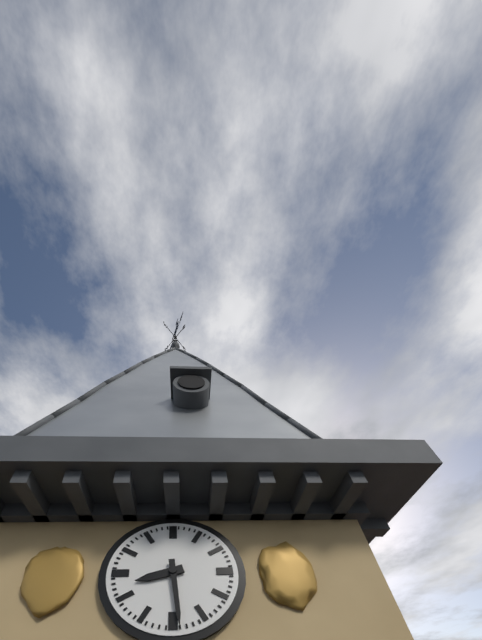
8:29
